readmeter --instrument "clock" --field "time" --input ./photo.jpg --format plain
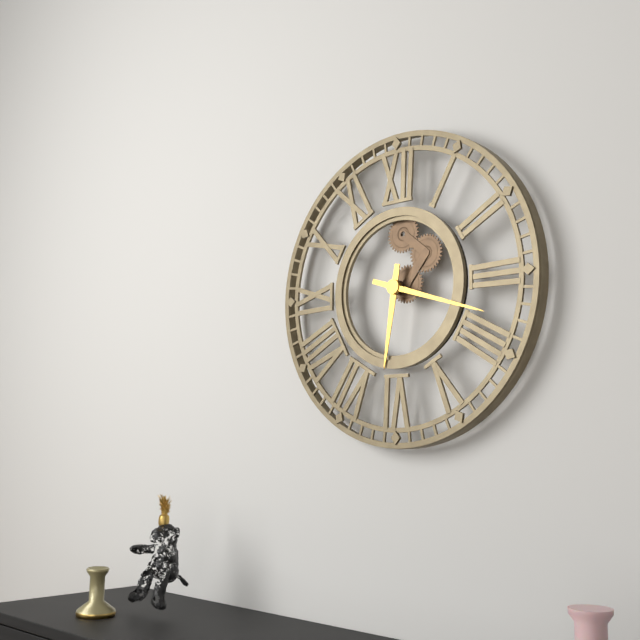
6:18
